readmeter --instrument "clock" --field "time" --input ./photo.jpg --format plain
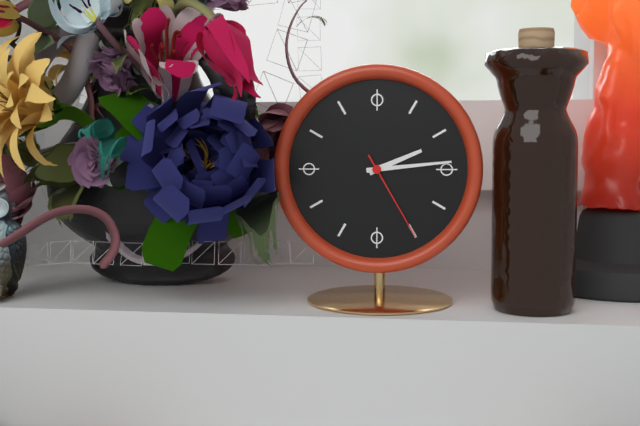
2:14:25
